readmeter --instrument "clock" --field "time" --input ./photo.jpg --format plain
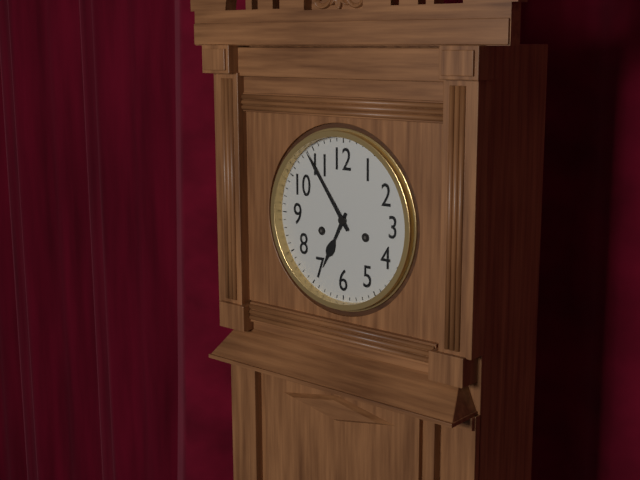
6:54
